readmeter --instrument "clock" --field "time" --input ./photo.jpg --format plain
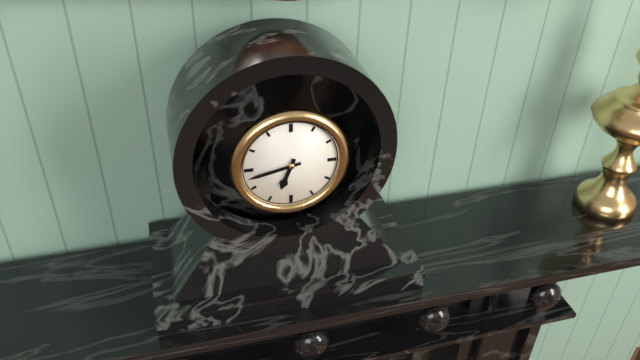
6:43
